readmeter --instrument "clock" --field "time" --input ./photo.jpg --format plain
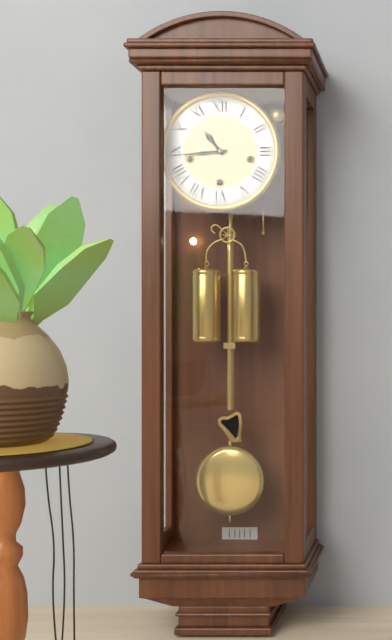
10:44
